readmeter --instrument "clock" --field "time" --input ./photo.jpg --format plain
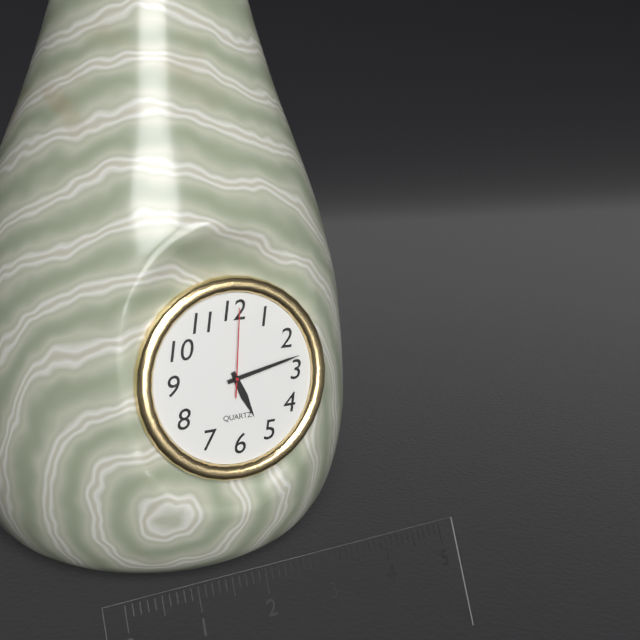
5:13:01
